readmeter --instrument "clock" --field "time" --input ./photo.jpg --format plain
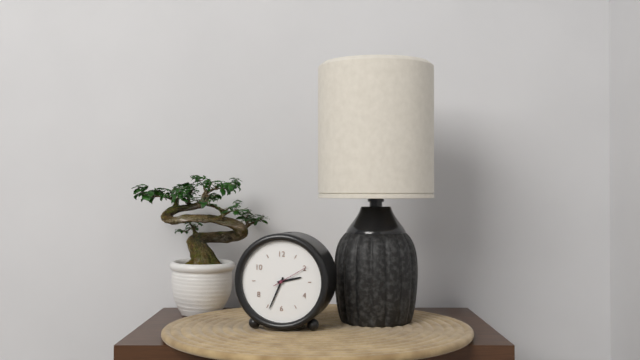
2:34
